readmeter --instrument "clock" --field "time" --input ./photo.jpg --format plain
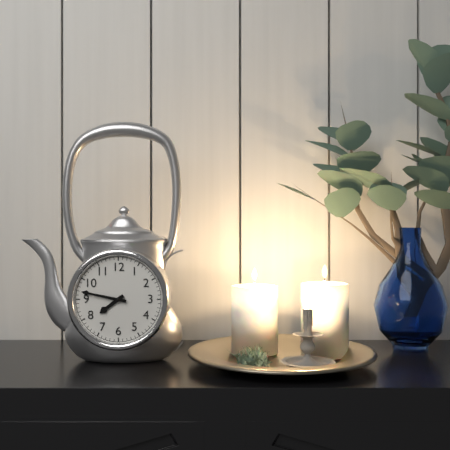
7:47
